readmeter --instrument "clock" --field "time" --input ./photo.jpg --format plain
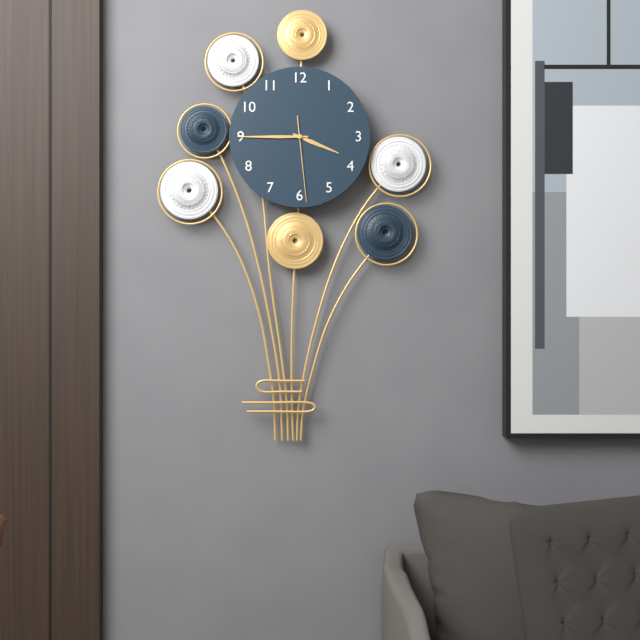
3:45:29
